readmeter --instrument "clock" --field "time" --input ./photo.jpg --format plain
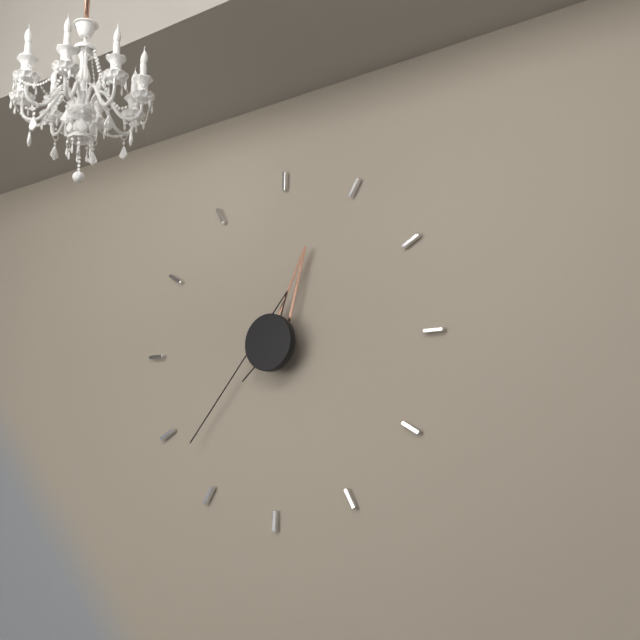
12:38
